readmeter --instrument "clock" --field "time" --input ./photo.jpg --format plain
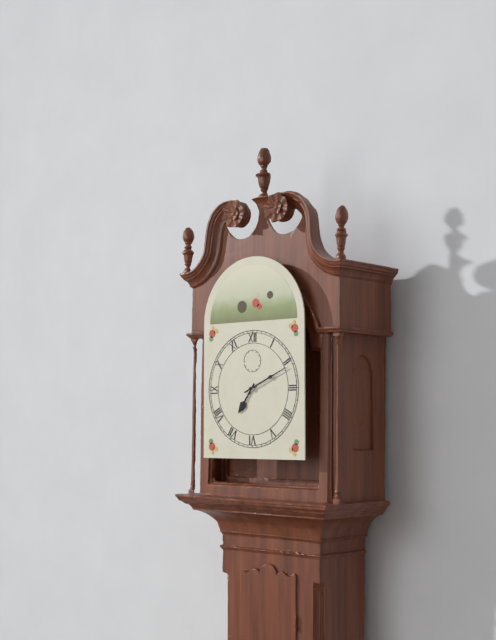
7:11
